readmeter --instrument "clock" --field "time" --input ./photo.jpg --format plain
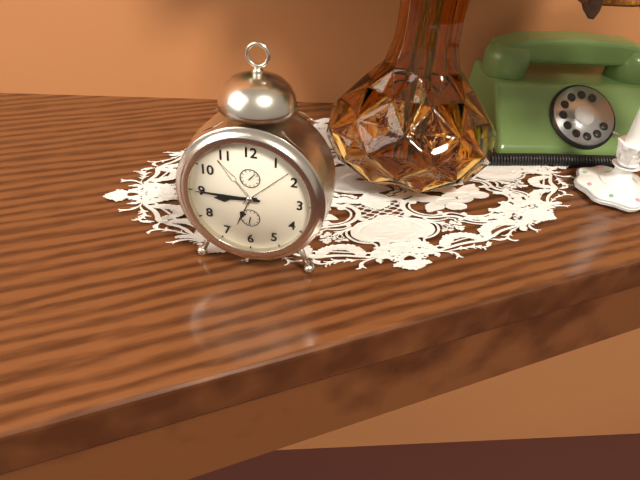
8:45
